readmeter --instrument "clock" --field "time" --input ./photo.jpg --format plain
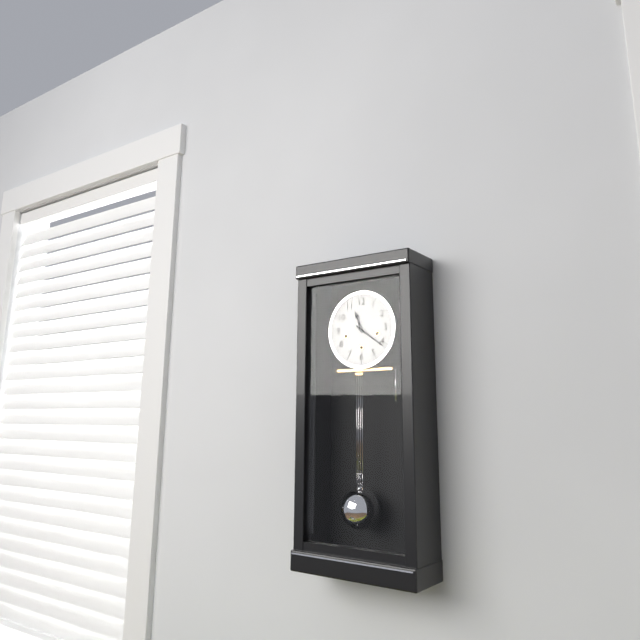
11:21
